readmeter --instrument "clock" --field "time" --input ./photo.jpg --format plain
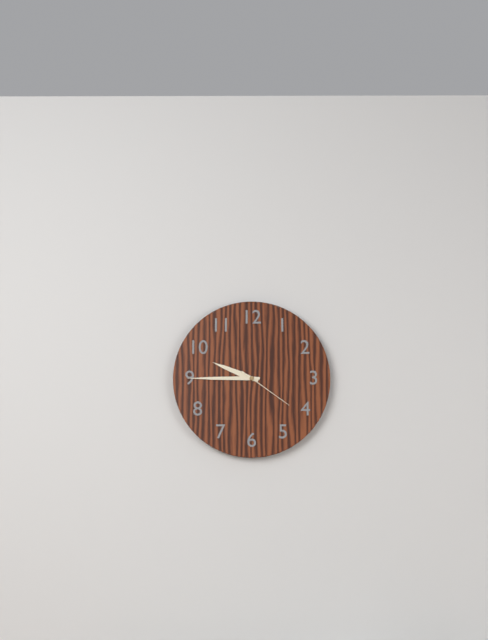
9:45:21
